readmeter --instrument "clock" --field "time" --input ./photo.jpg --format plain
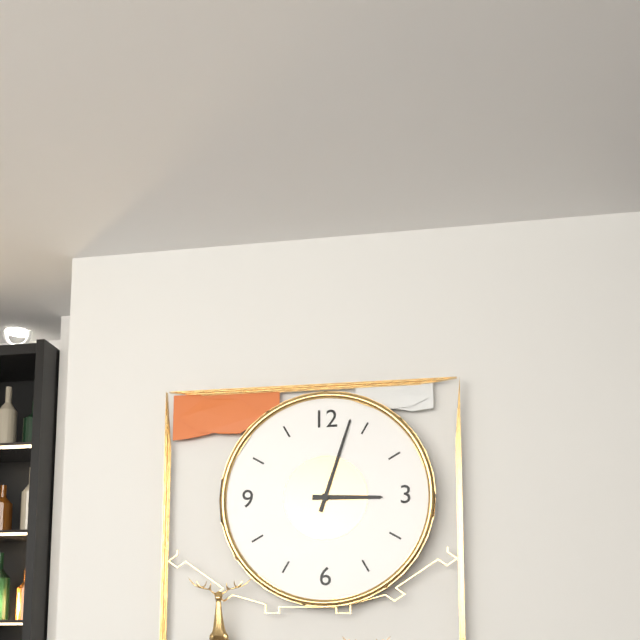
3:03
